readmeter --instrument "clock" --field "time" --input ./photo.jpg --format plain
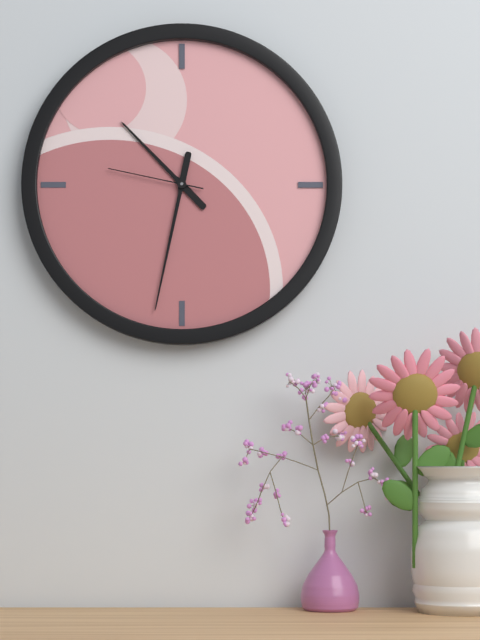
10:32:47
